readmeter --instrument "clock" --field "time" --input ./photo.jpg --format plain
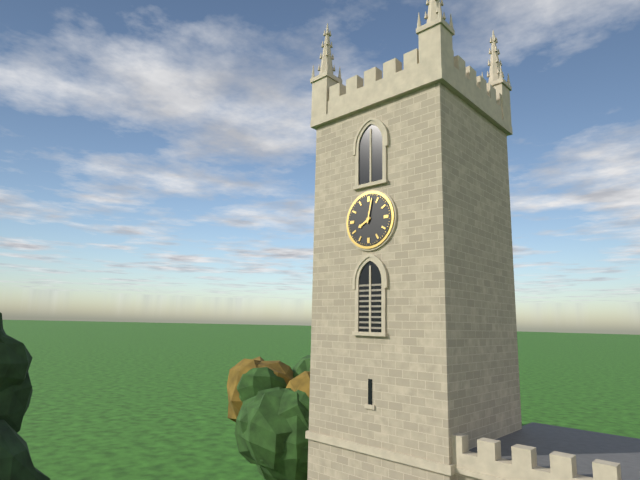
8:02
